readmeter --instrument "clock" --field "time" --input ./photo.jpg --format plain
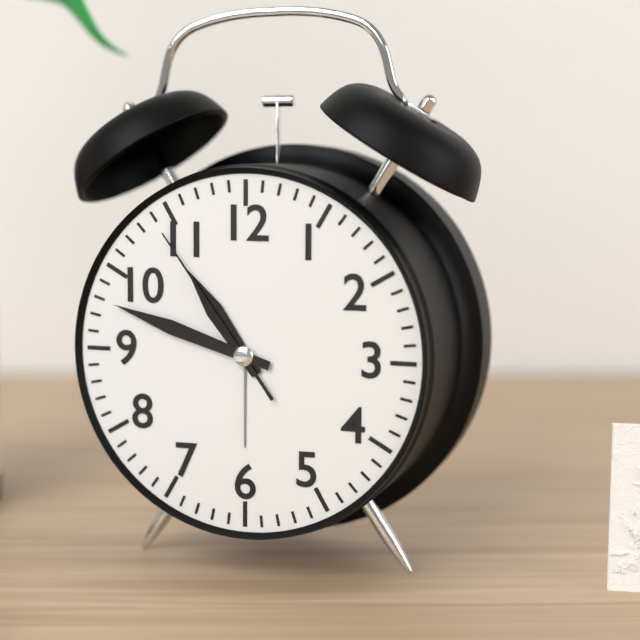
10:48:54
